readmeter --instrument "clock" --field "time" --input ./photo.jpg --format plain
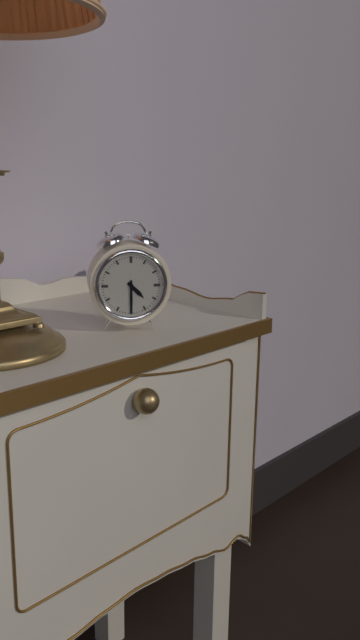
4:30
